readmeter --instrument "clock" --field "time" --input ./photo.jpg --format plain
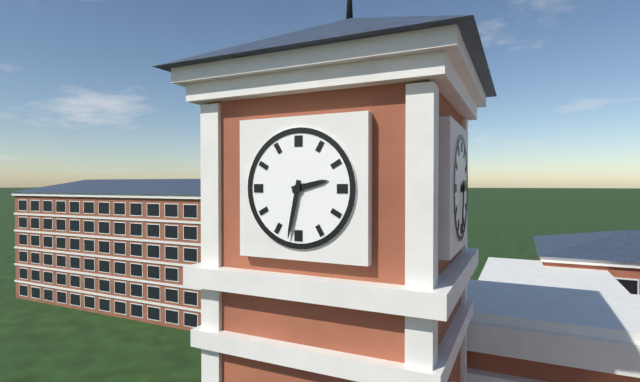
2:32
